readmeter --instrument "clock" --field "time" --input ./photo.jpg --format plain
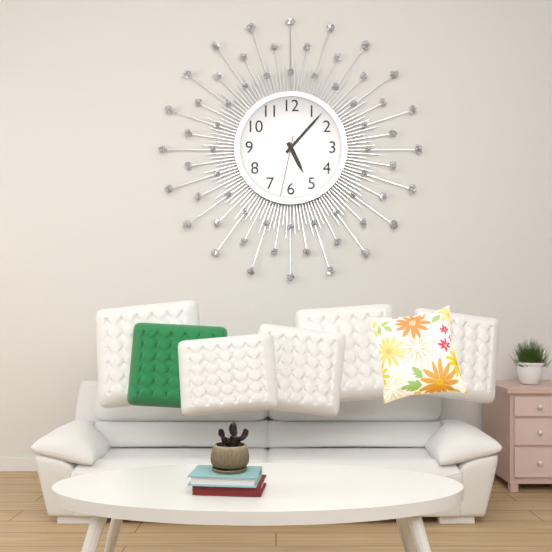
5:07:32
